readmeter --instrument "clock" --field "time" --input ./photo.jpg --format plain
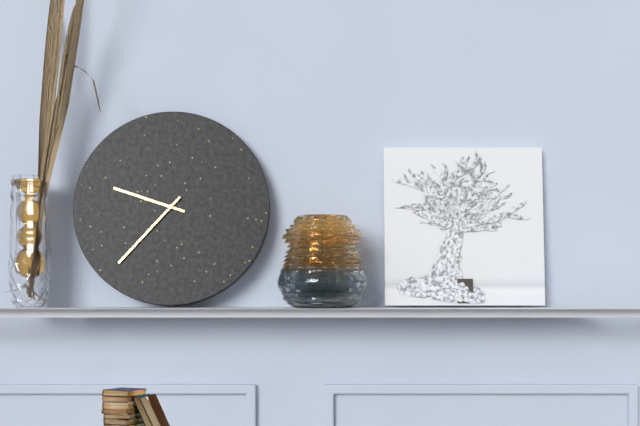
9:37
